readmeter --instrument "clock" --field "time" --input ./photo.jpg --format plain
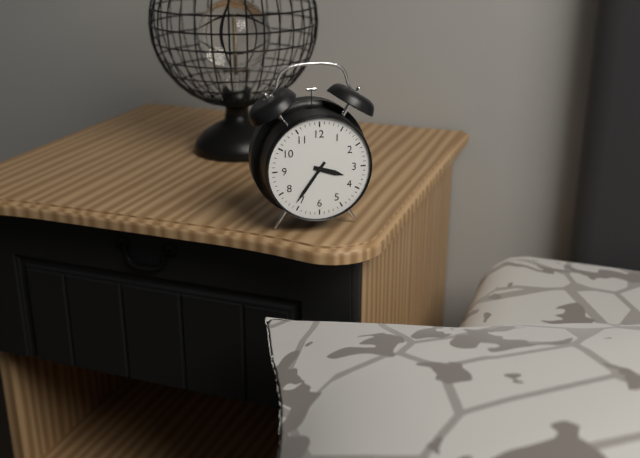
3:36
